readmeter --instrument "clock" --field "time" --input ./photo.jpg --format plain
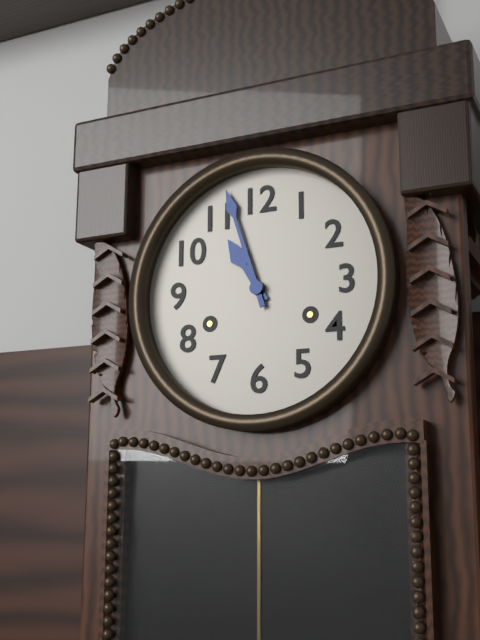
10:57
